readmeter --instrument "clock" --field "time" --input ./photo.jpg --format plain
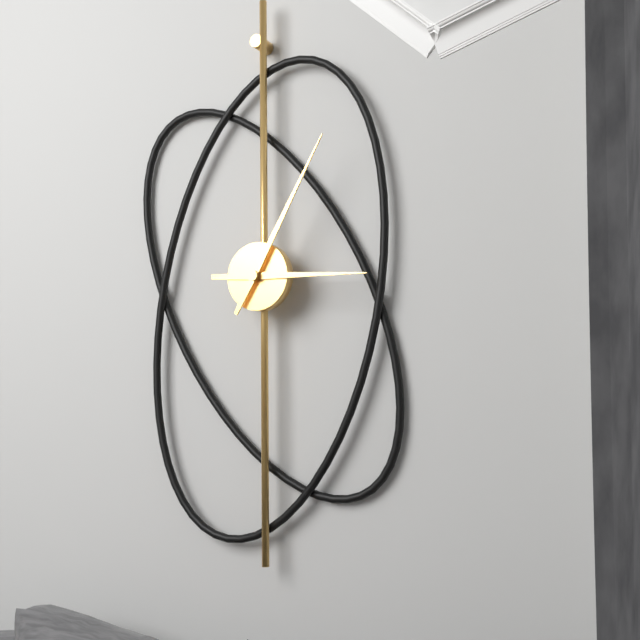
3:05
